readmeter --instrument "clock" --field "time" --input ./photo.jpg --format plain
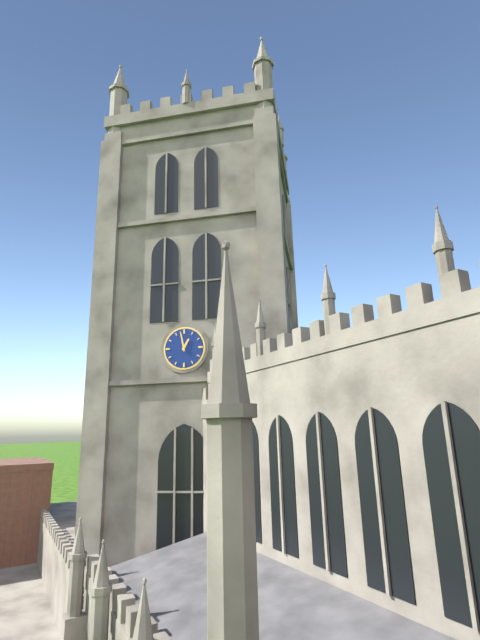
12:58
